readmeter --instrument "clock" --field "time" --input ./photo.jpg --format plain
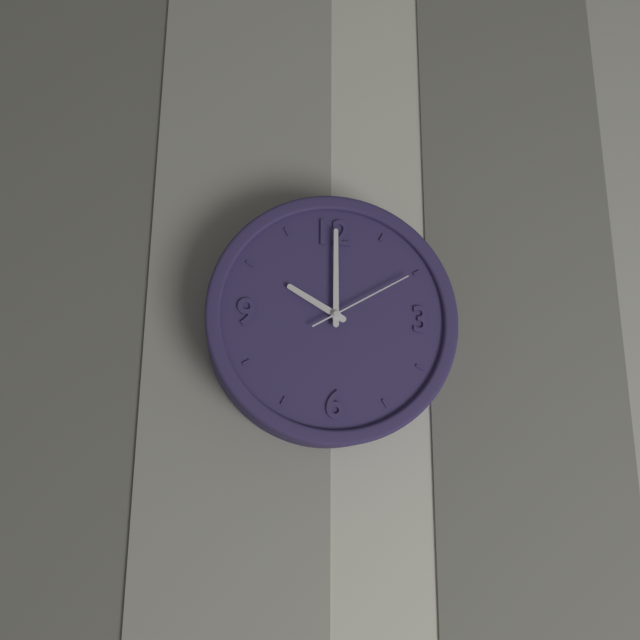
10:00:10
